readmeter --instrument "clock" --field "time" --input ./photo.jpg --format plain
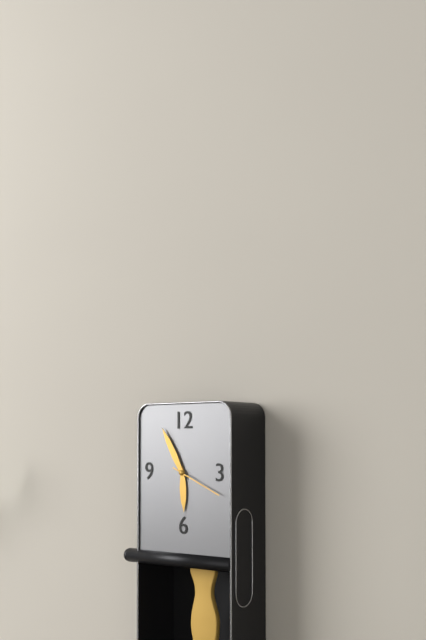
5:55
